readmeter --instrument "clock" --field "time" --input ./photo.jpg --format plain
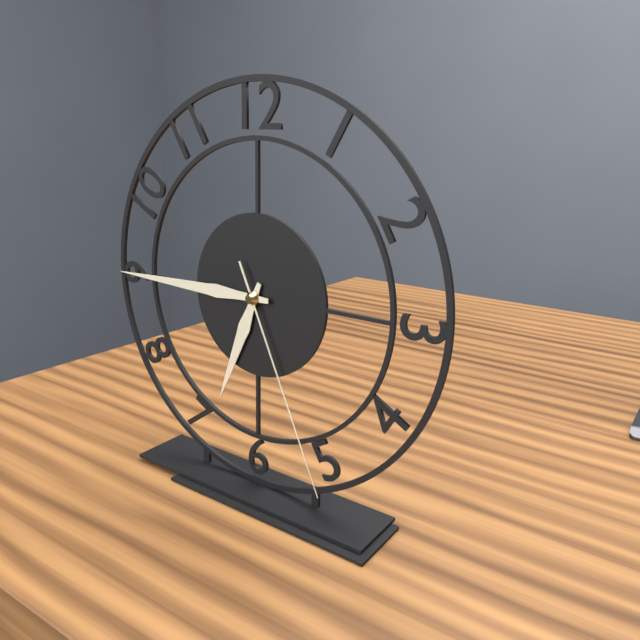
6:45:26
